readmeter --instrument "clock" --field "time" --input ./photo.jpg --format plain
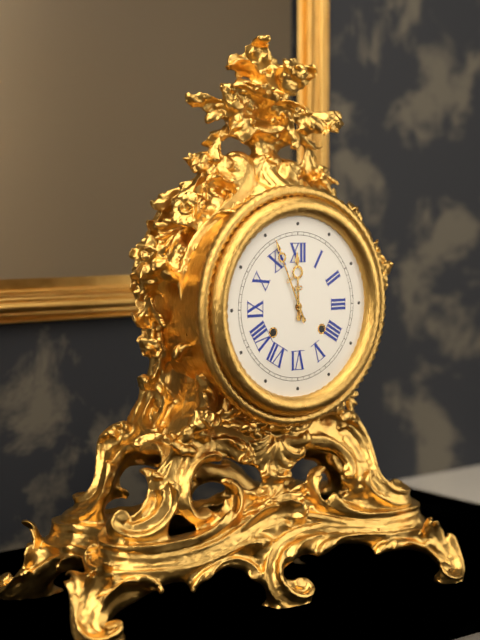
11:56
